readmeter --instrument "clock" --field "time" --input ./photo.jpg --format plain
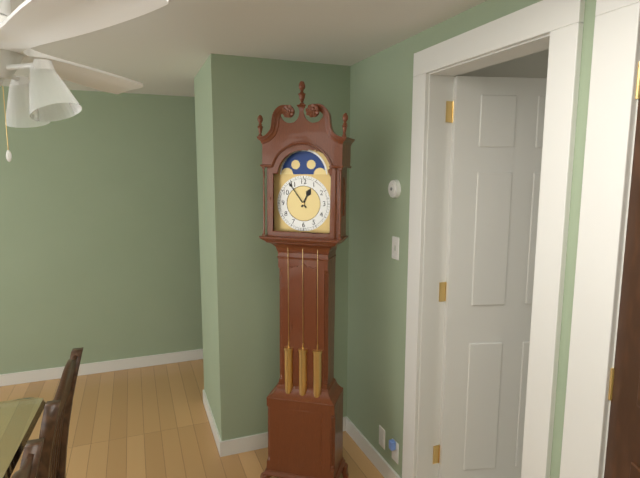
12:54
